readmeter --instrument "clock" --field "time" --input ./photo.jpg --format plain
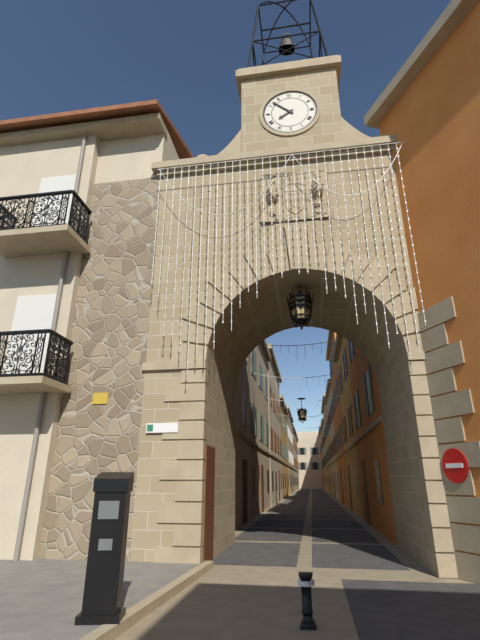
7:52
